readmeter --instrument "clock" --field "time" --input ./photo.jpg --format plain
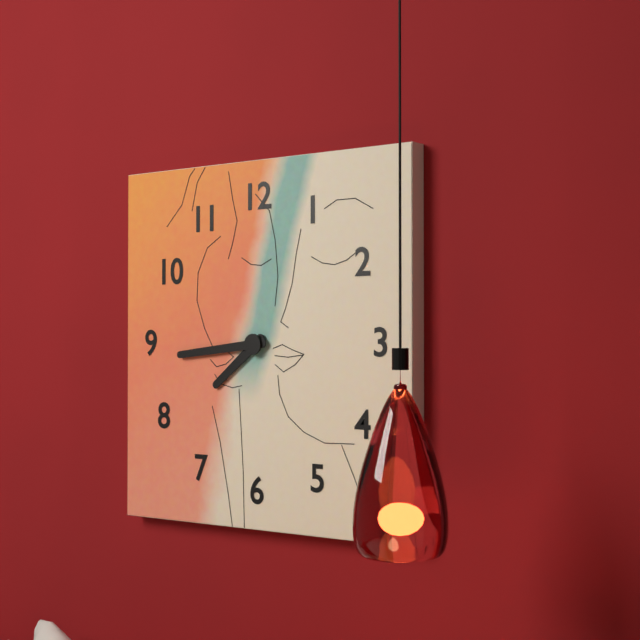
7:44
